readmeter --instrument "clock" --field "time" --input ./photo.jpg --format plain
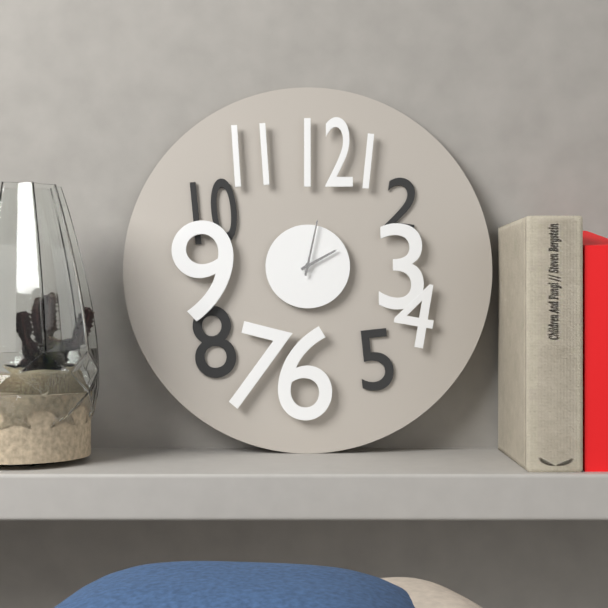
2:02
